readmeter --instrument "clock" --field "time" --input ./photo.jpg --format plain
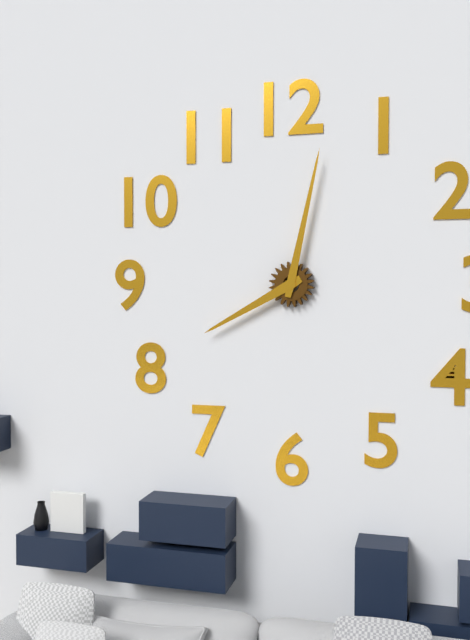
8:02
